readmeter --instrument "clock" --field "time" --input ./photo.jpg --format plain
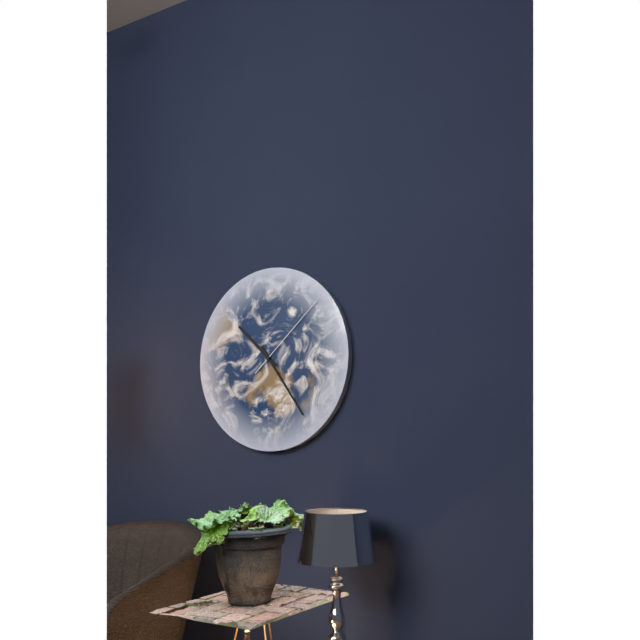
10:24:08
